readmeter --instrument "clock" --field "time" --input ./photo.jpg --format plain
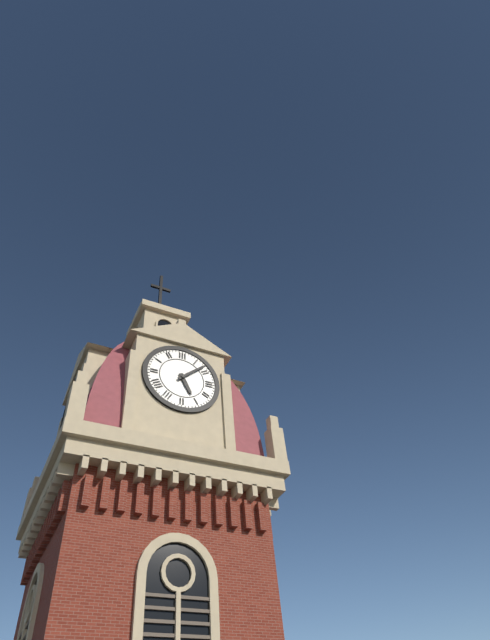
5:08
